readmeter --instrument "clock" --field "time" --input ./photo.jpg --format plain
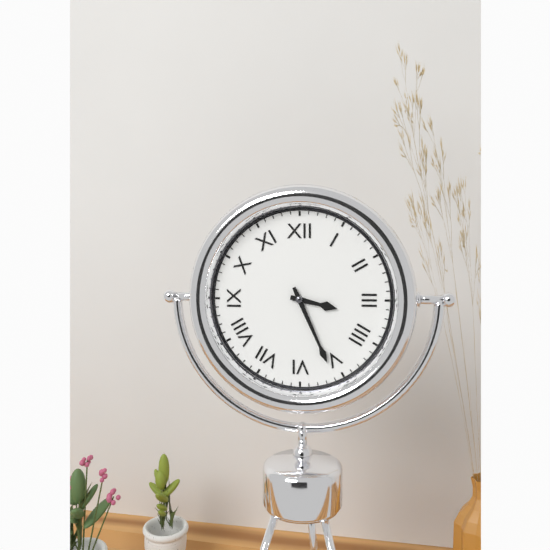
3:26
